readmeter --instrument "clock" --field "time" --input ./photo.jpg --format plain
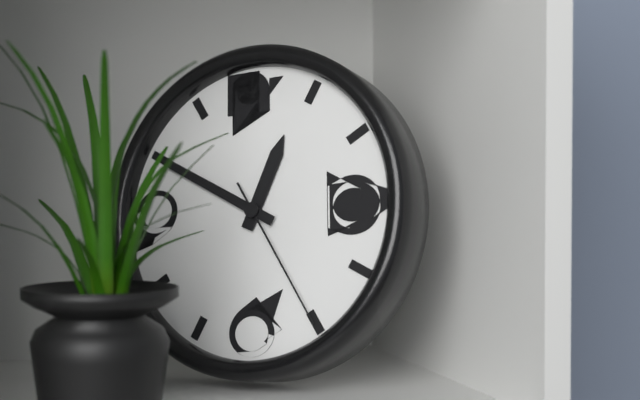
12:50:25
